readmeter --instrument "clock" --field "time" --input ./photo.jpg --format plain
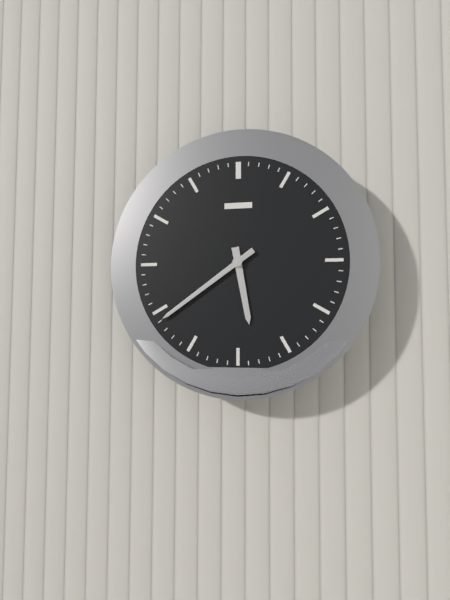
5:39
